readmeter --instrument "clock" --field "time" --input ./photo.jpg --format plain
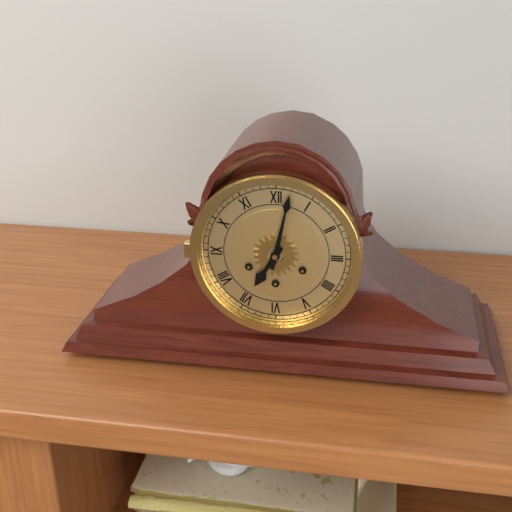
7:02
